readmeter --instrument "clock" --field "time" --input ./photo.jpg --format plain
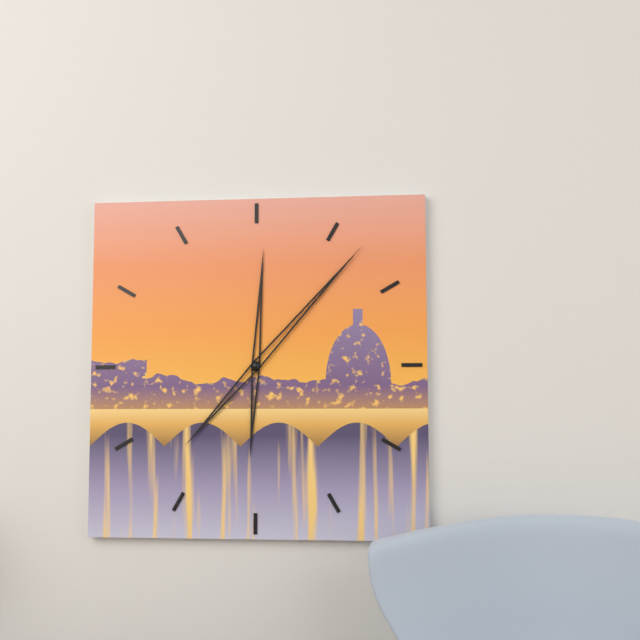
12:07
